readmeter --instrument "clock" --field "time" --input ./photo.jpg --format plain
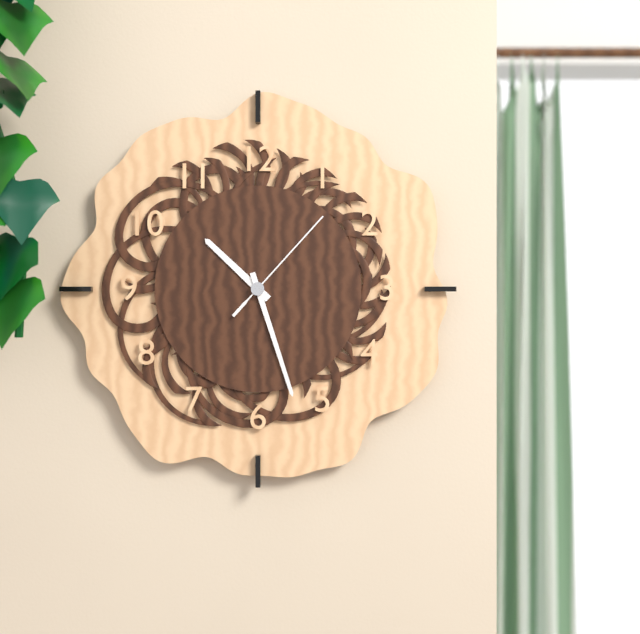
10:27:07
